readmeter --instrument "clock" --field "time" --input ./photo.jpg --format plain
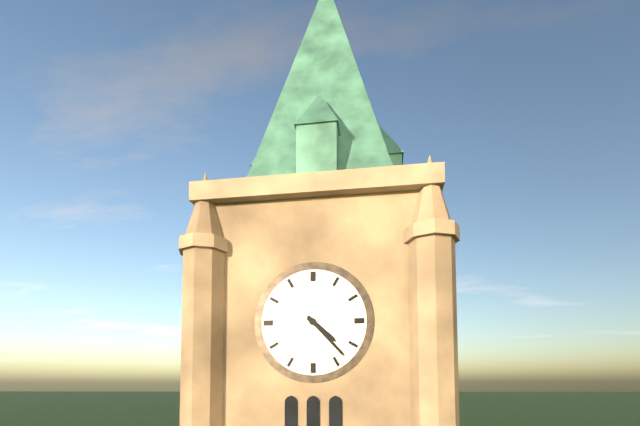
4:23
